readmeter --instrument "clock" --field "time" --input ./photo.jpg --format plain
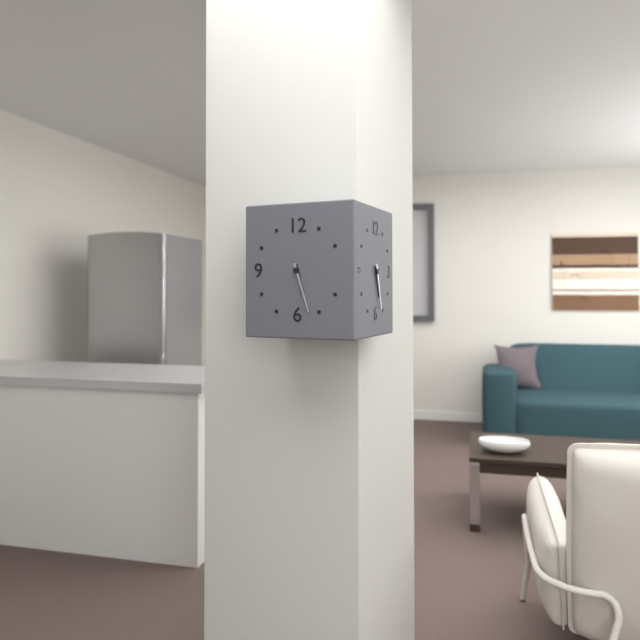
5:27
